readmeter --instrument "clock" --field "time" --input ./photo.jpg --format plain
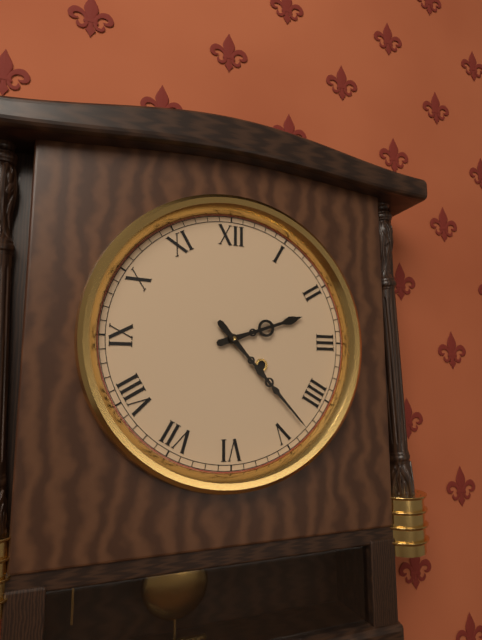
2:23
